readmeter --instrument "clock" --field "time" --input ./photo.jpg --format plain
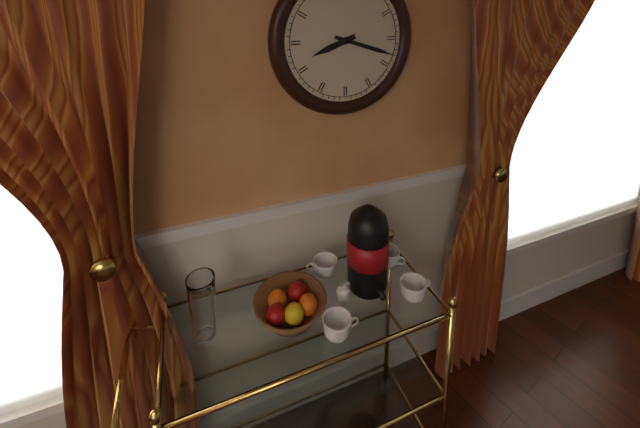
8:18
